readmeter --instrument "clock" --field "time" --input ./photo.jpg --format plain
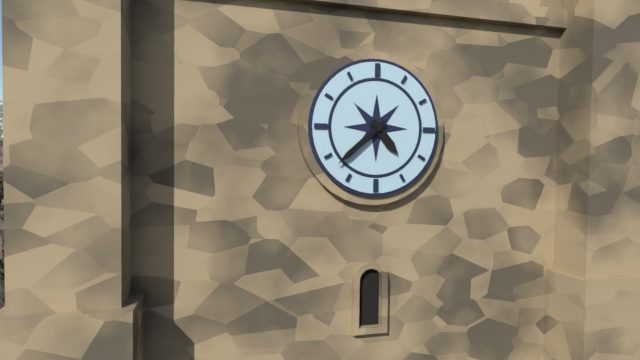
4:38
